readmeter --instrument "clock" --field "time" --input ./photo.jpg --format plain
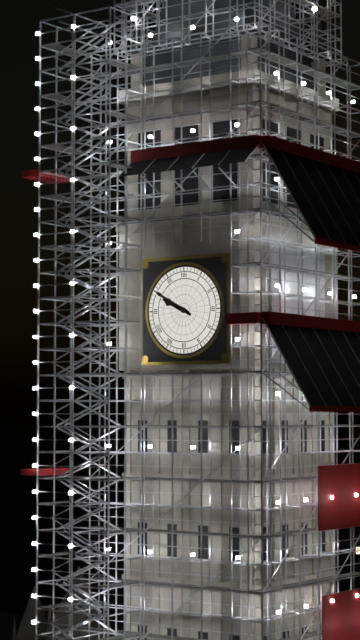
9:50
